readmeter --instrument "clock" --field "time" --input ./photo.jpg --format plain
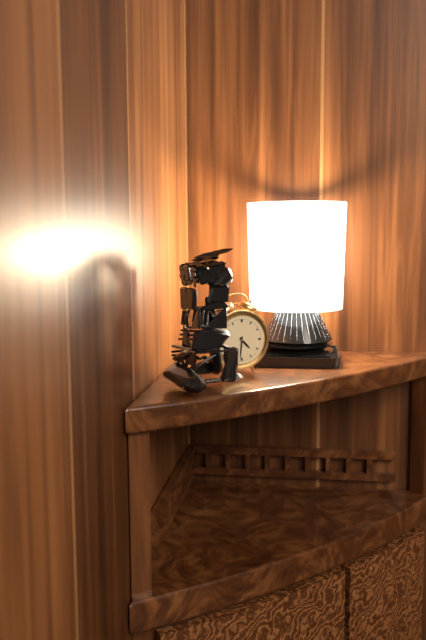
4:31
